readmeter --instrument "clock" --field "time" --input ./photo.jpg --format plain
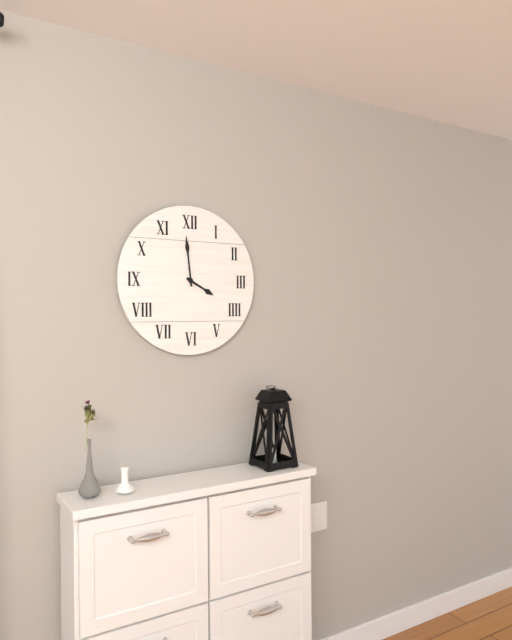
3:59
